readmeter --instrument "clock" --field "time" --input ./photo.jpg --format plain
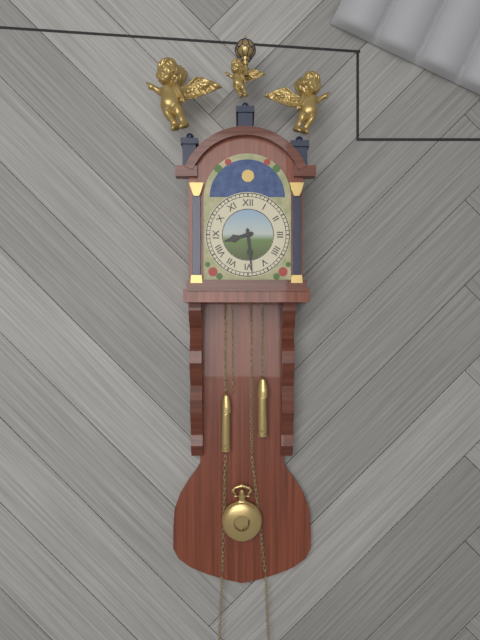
8:29
